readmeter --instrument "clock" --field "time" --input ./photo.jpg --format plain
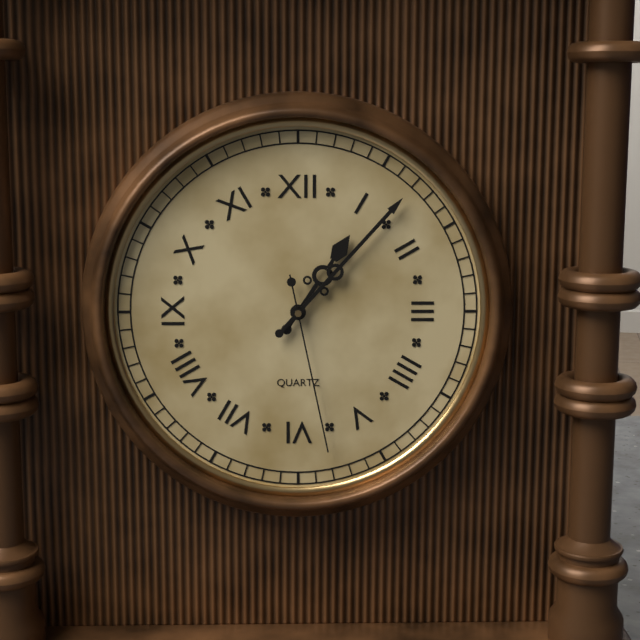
1:07:28
